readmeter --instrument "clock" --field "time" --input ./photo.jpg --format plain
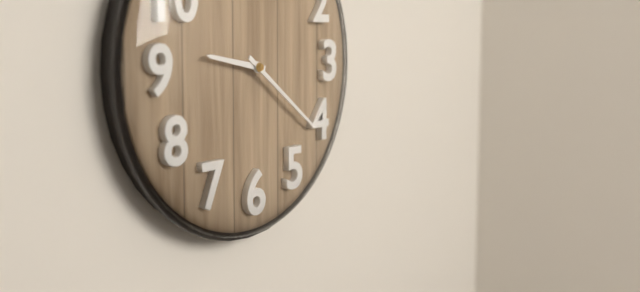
9:21
